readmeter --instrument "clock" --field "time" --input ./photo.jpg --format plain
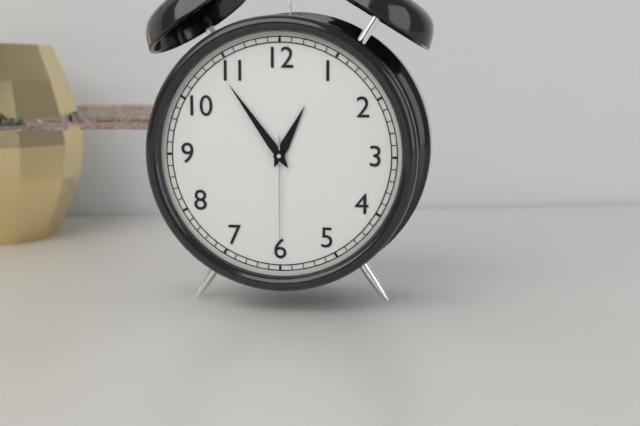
12:54:30
